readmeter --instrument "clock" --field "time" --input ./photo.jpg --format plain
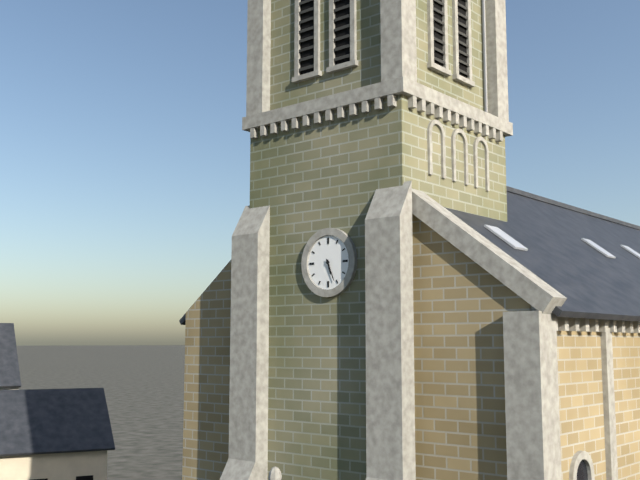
5:26
